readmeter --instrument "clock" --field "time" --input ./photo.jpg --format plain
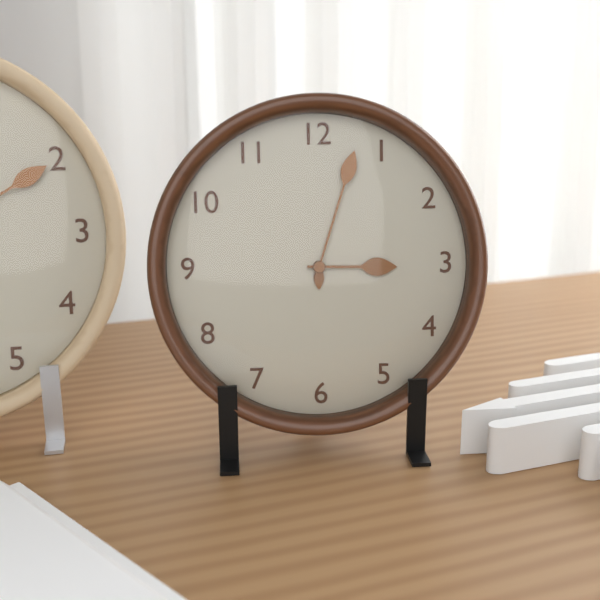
3:03
